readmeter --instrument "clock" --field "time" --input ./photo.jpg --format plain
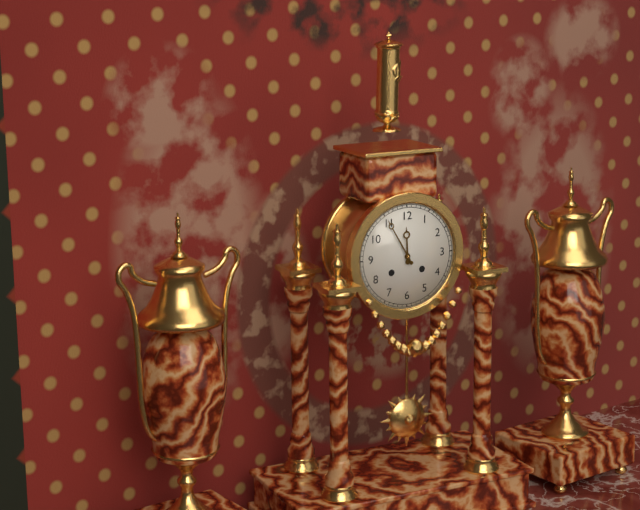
11:55
